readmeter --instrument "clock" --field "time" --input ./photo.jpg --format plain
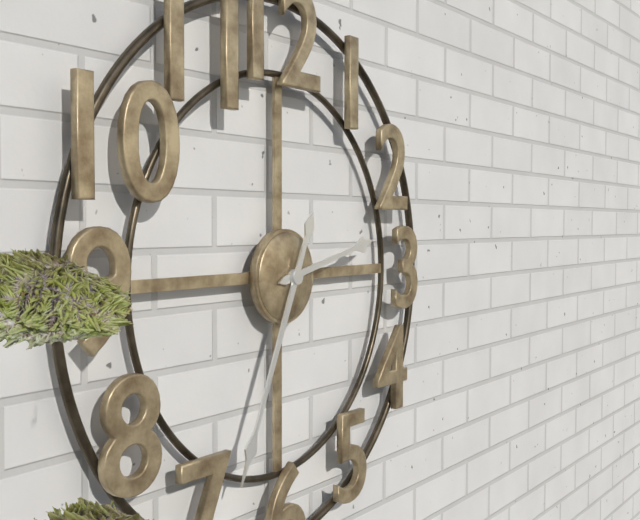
2:34
